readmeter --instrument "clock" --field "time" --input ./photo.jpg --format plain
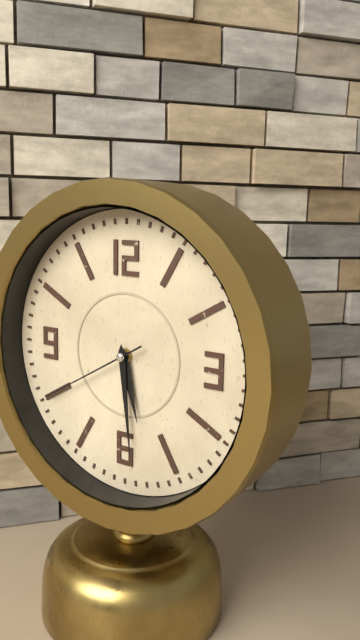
5:29:40
